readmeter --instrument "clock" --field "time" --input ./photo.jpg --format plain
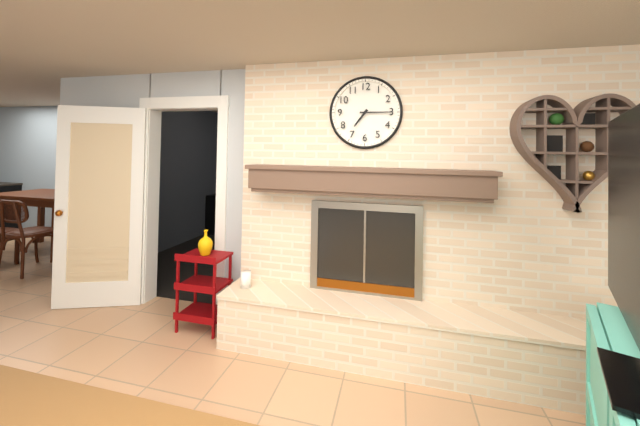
7:15
